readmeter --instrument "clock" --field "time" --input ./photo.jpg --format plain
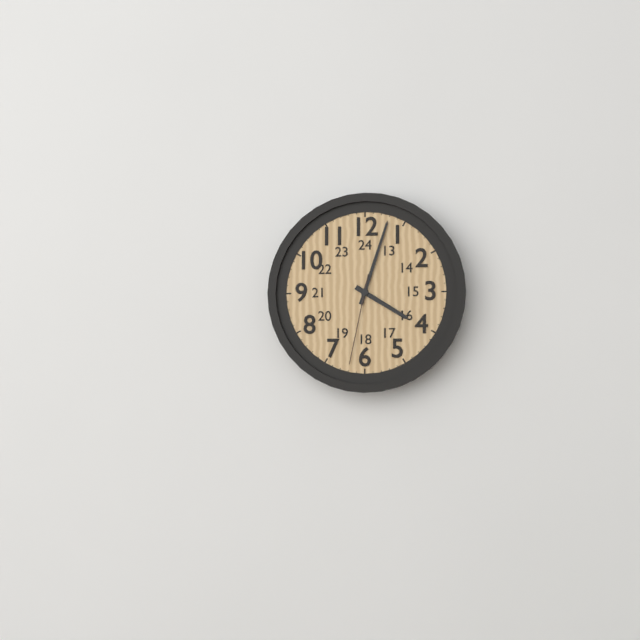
4:03:32
